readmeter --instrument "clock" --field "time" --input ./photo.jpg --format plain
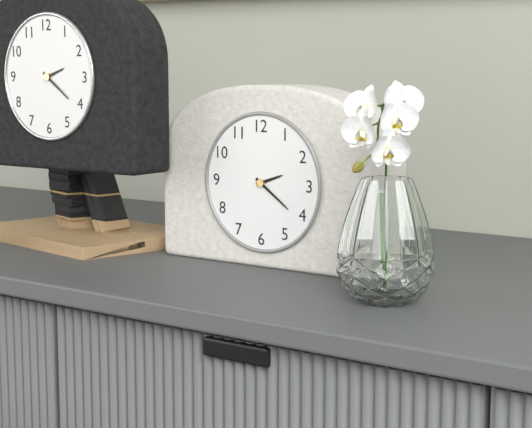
2:21
